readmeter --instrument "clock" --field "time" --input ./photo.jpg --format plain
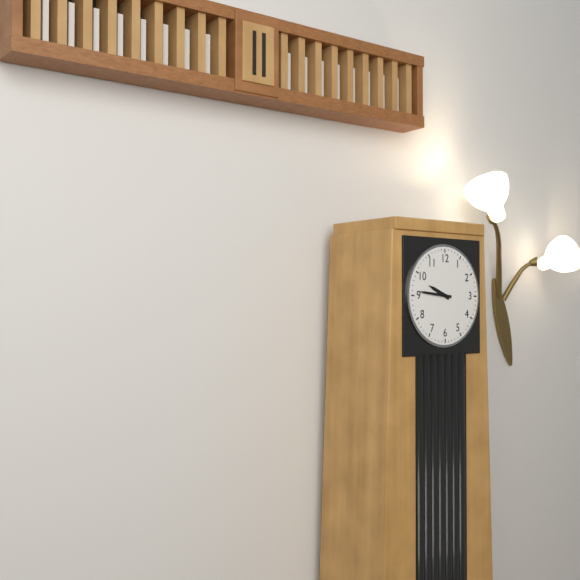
9:46
